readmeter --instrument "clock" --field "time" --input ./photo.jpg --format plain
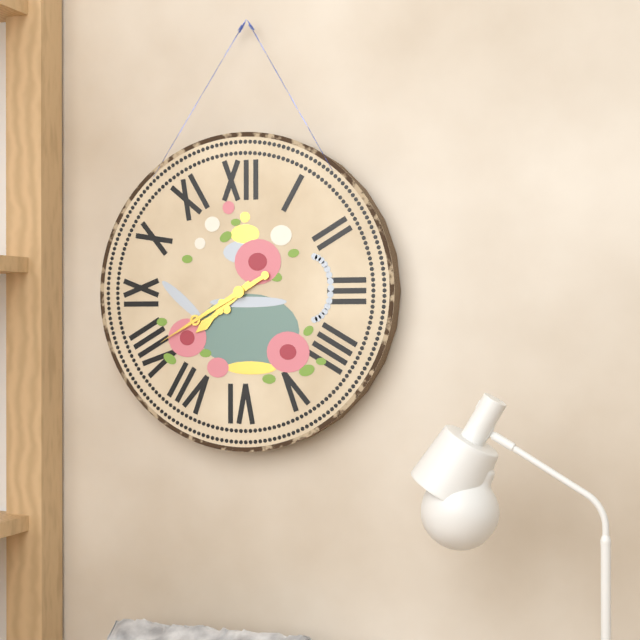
7:40
